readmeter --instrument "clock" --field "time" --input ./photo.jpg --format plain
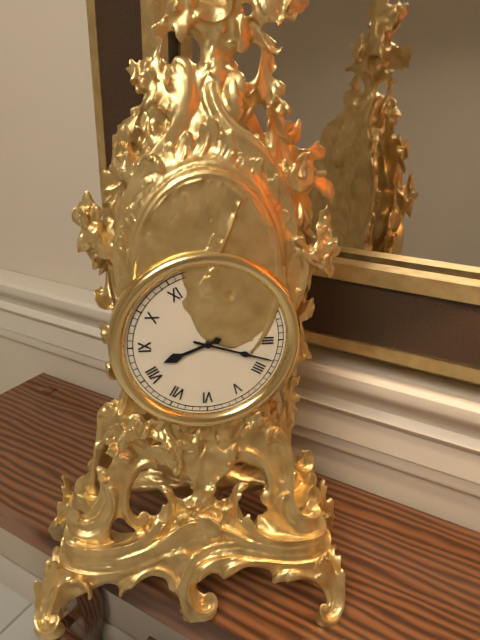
8:18
